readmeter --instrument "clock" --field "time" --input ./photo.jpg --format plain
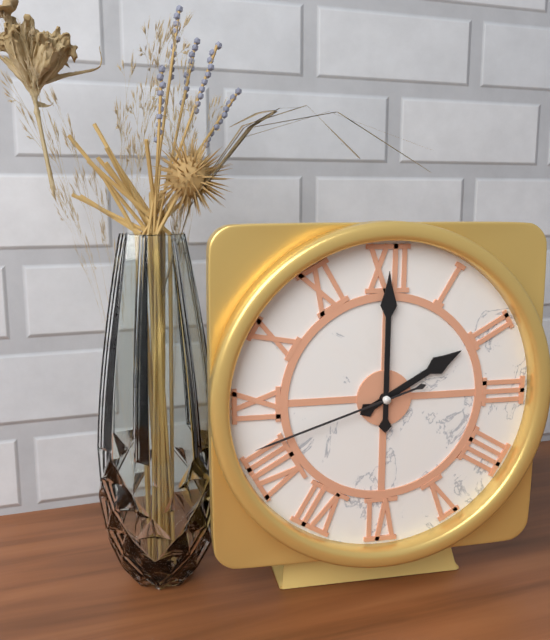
2:00:42
